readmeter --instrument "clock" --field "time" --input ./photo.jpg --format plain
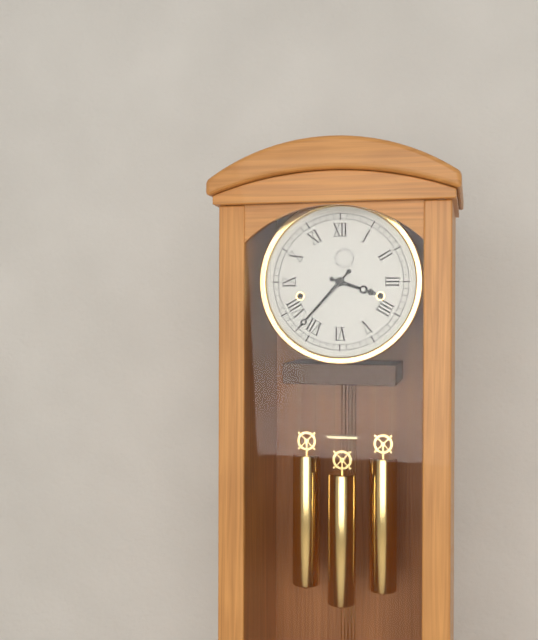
3:37
